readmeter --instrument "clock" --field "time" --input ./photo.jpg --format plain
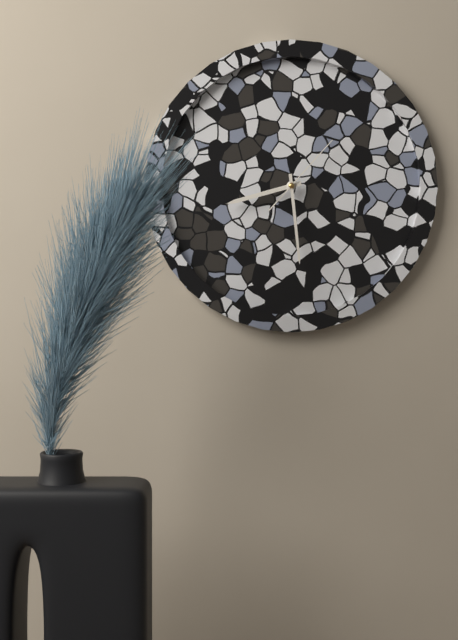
8:29:07
